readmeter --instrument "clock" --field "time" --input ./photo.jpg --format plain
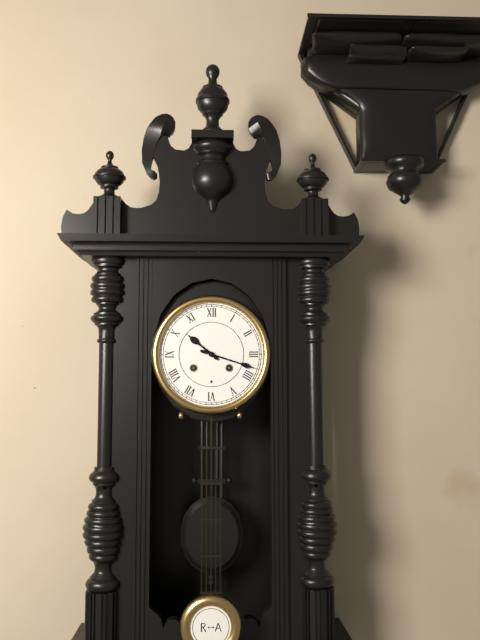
10:18
